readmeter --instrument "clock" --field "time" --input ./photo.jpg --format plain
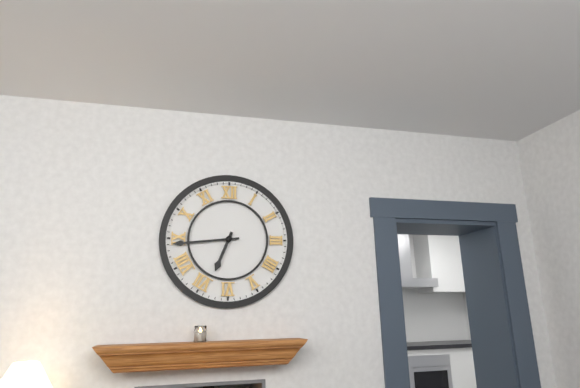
6:44
